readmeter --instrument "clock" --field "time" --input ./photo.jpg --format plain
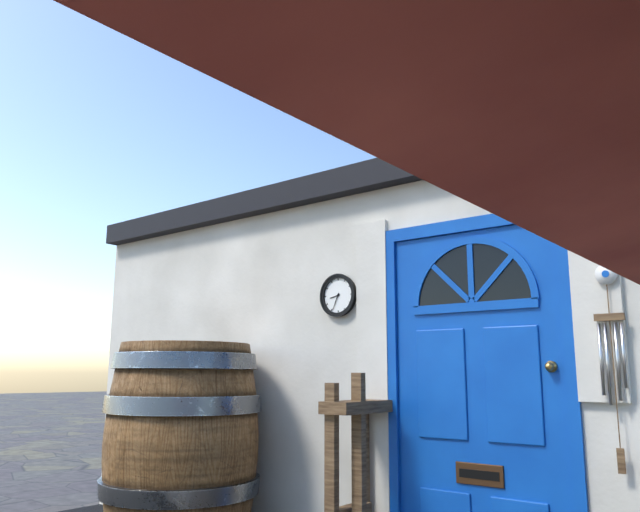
8:34
